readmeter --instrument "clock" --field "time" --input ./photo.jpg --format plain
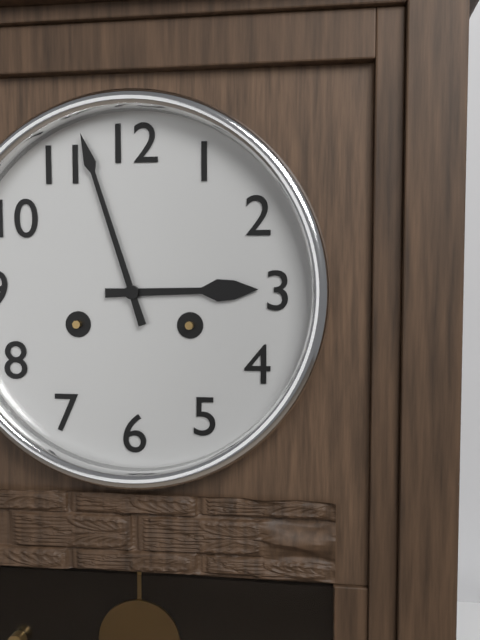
2:57
